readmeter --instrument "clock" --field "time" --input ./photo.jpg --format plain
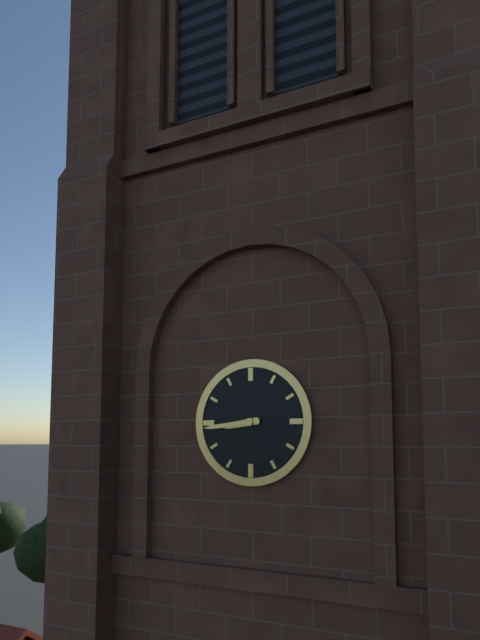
8:44
